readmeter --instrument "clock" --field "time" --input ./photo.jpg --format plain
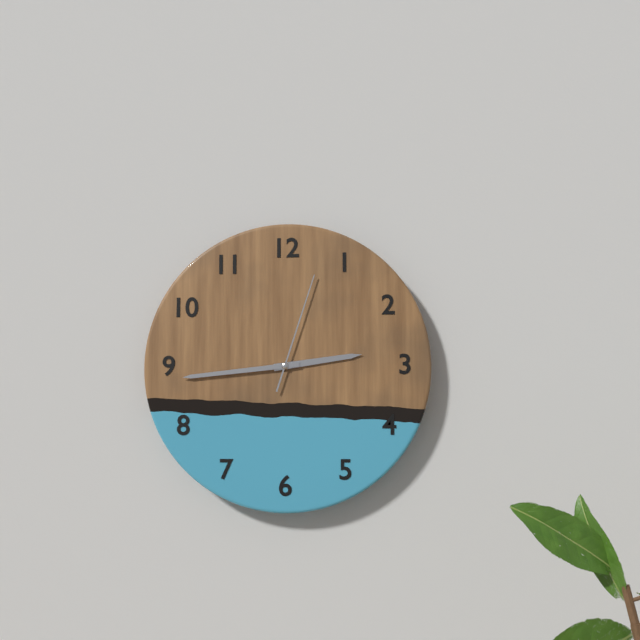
2:44:03
